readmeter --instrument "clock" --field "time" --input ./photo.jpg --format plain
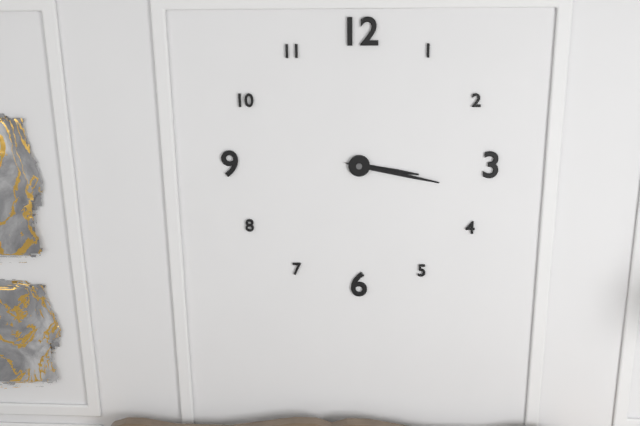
3:17
